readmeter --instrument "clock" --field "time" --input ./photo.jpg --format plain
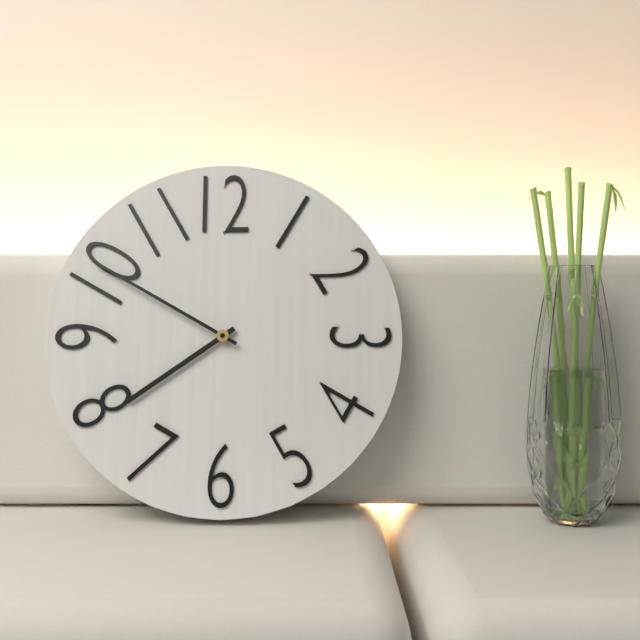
7:50
